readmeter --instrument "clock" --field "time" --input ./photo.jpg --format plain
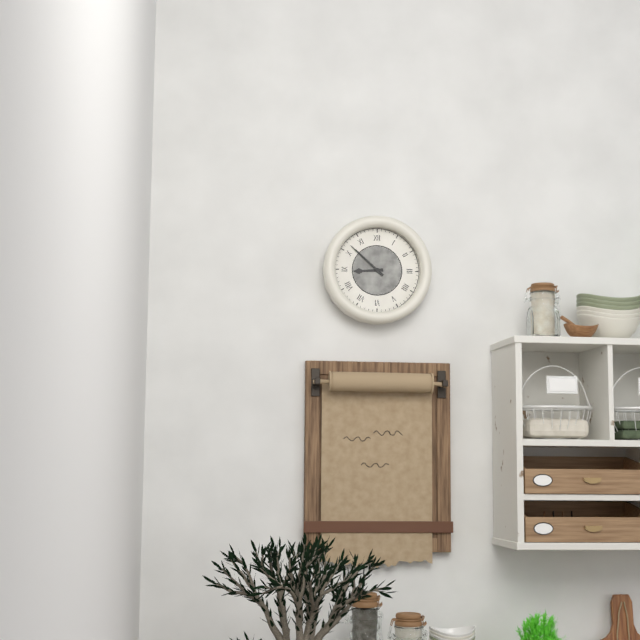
8:52
